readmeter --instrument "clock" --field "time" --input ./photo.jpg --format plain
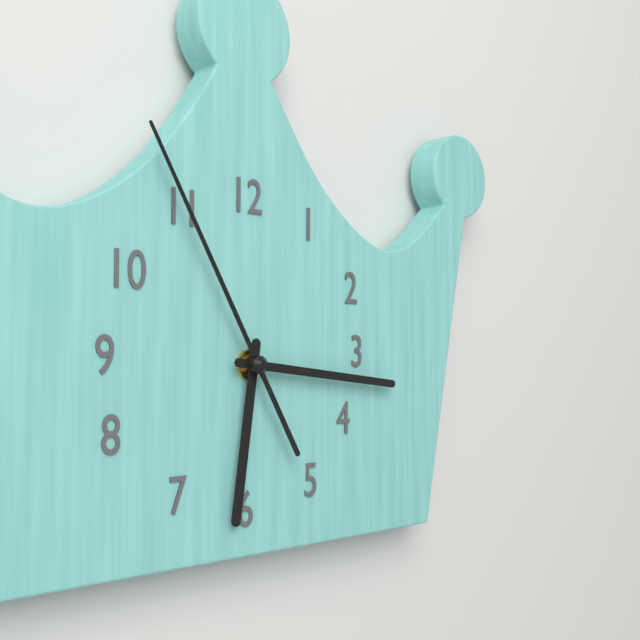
6:16:55
